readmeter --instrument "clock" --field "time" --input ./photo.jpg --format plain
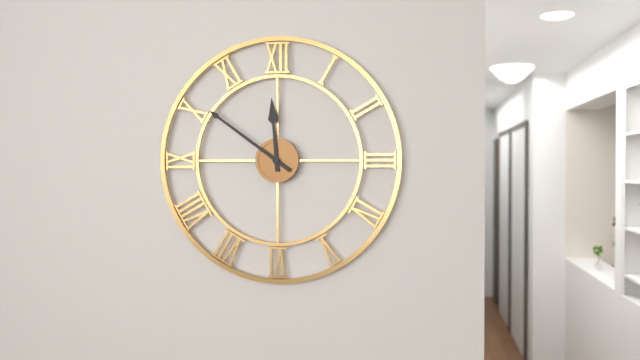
11:51
